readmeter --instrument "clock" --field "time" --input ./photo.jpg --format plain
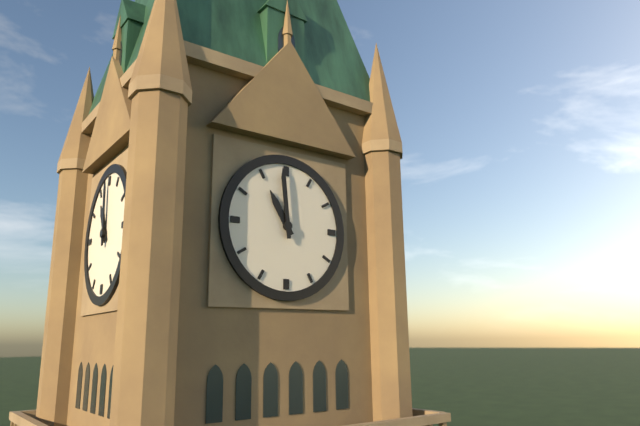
10:59
